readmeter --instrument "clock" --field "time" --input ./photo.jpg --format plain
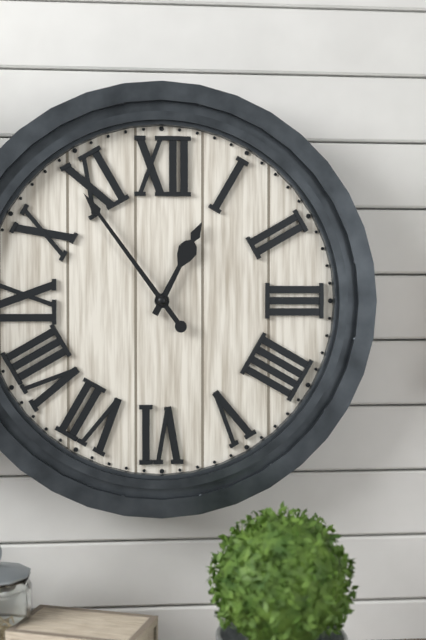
12:54
